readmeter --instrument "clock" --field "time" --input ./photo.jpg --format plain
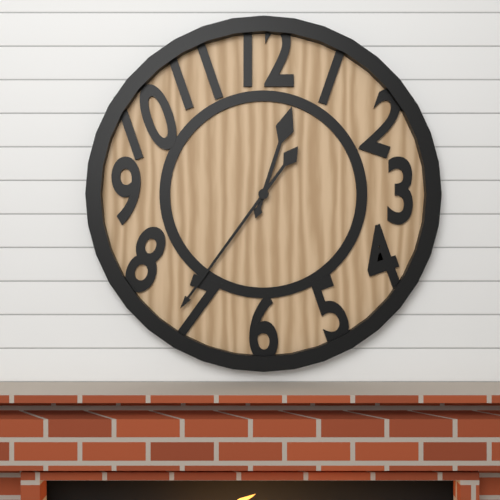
12:36
